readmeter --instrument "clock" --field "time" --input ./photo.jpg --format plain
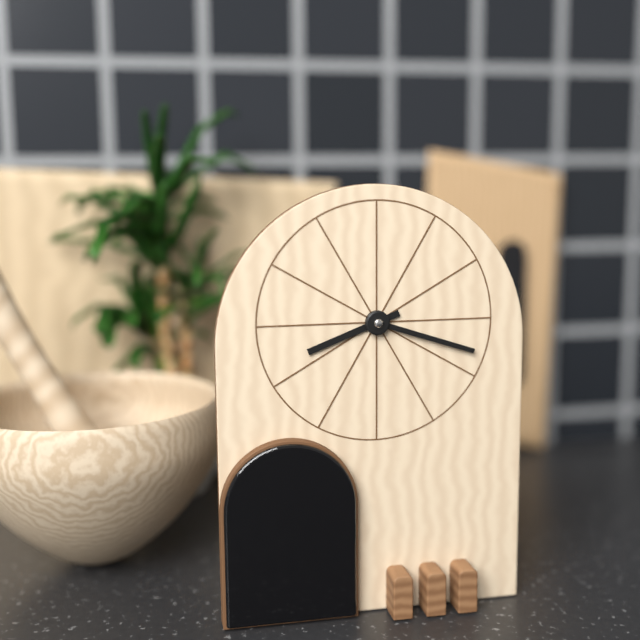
8:18
